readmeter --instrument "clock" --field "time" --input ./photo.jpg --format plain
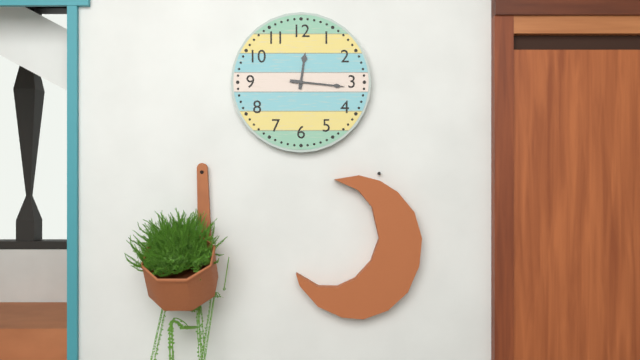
12:16
